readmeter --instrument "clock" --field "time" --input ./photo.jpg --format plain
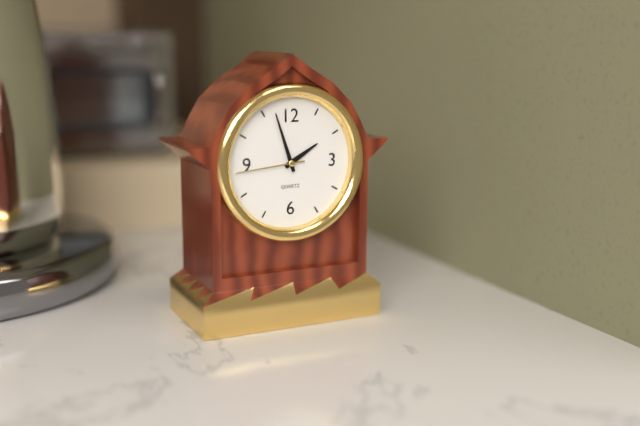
1:57:44
